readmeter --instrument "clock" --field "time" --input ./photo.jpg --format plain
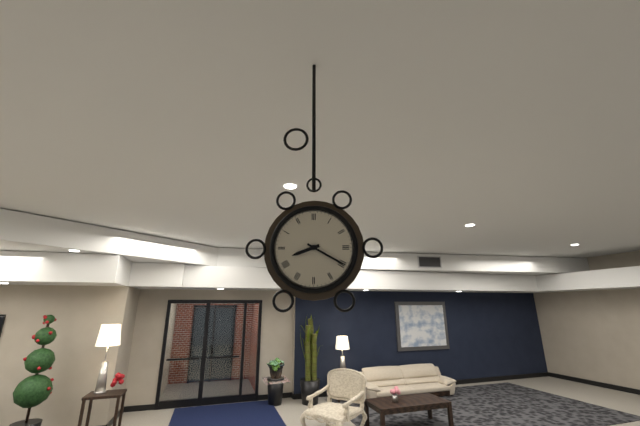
8:20
